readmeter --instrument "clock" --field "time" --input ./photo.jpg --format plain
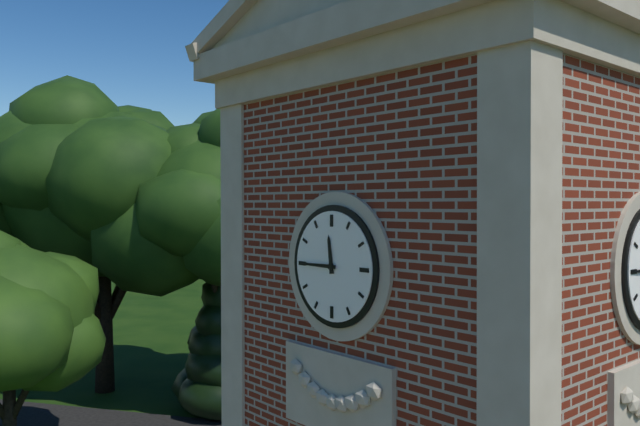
11:45
